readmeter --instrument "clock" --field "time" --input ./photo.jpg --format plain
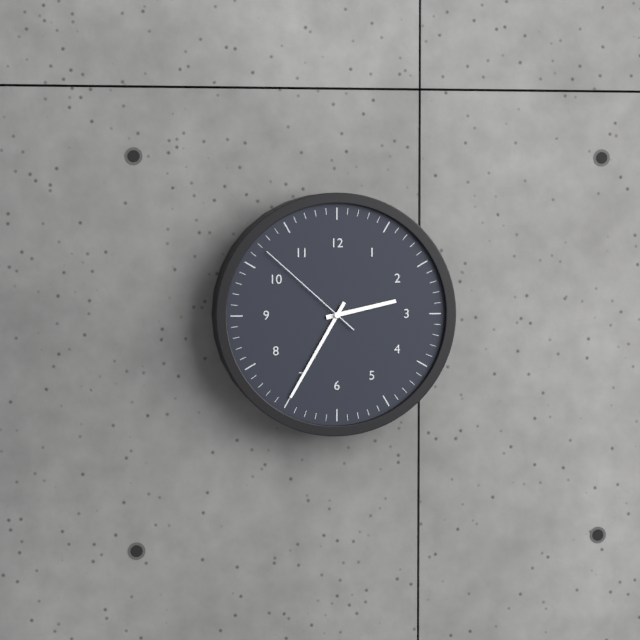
2:35:52
